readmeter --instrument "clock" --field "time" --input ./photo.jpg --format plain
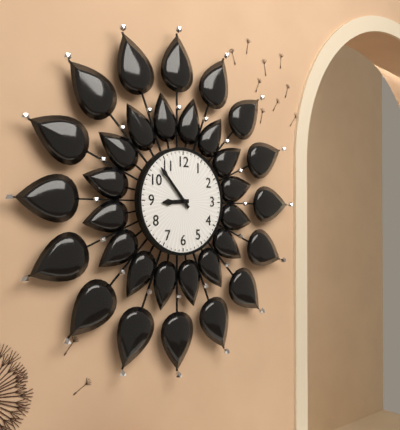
8:53
